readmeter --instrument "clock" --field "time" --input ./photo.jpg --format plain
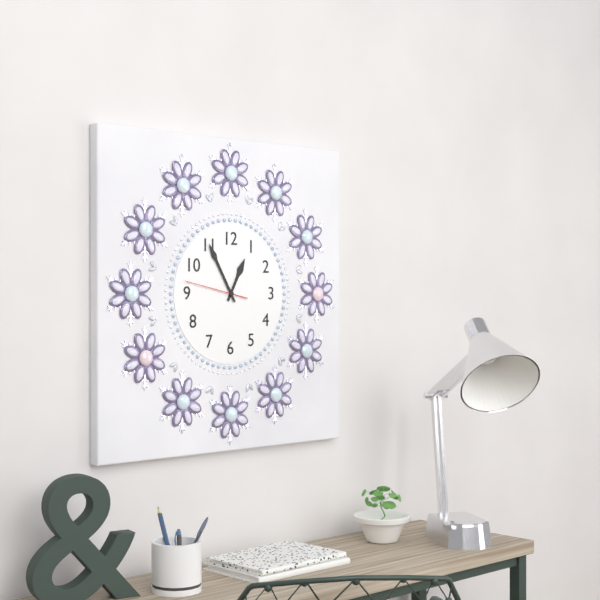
12:55:47
